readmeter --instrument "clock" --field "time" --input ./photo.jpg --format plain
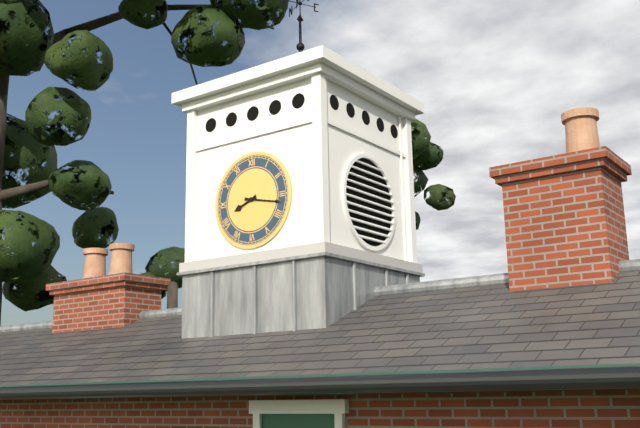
8:17
